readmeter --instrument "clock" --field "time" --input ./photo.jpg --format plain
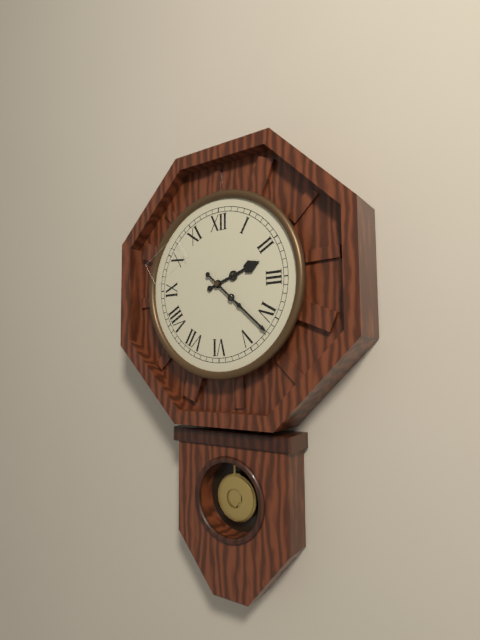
2:22
